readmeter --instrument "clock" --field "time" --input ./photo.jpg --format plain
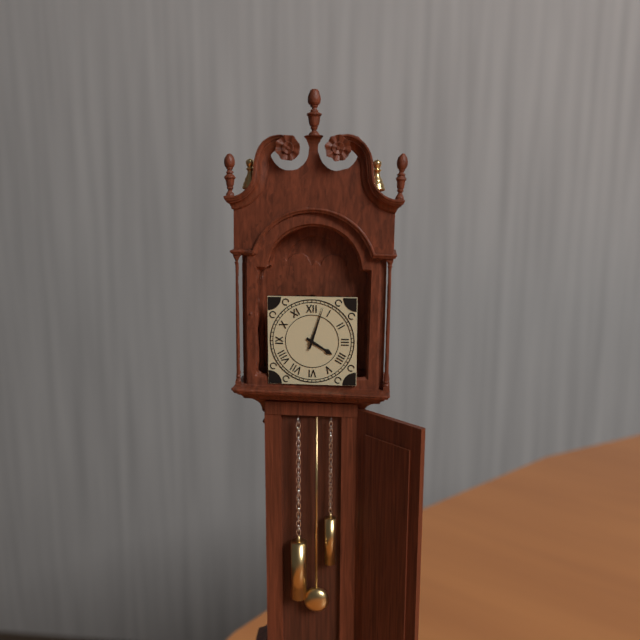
4:03
